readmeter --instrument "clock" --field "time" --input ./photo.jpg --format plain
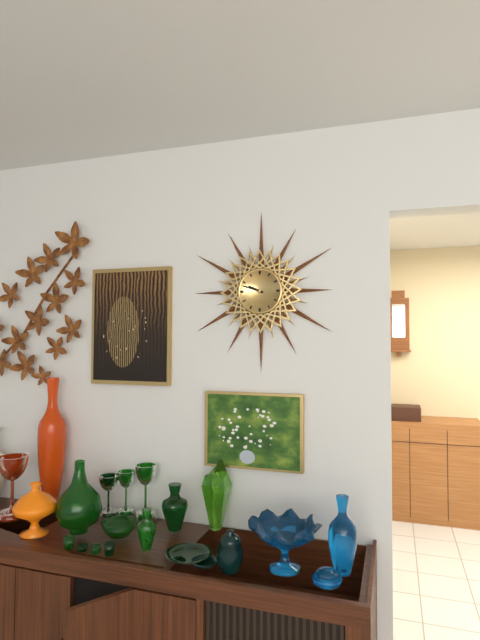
9:48
